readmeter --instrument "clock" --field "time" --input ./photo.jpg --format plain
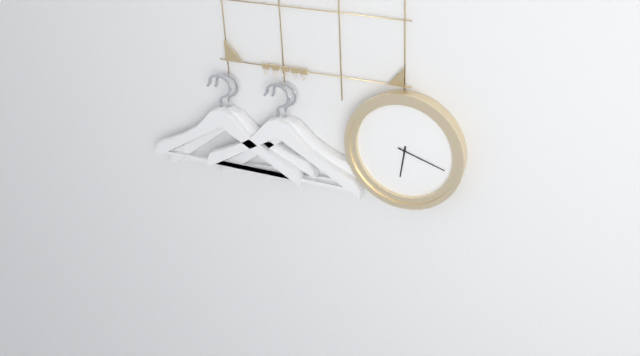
6:18
